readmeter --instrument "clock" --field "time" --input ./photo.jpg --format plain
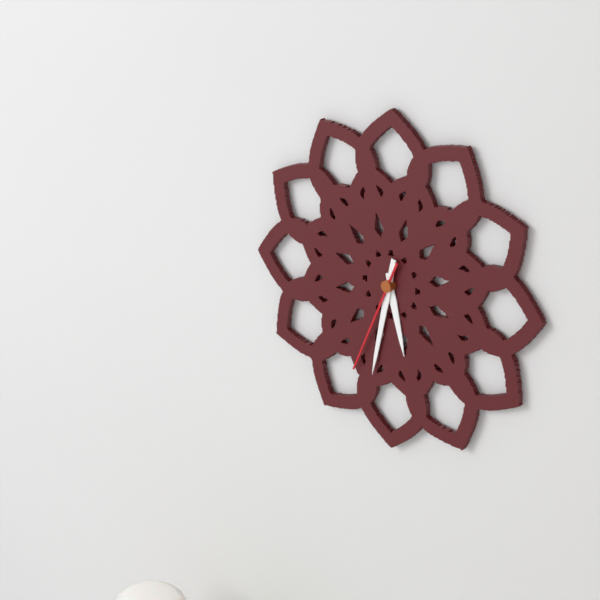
5:32:34
